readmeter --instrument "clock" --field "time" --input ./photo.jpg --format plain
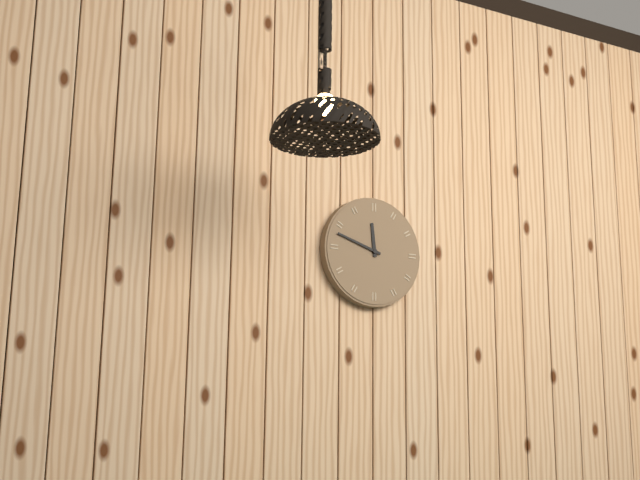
11:48
